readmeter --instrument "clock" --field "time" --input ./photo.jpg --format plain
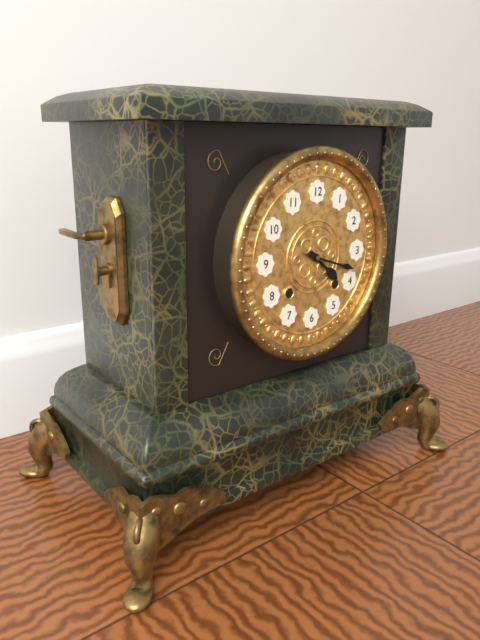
4:18
